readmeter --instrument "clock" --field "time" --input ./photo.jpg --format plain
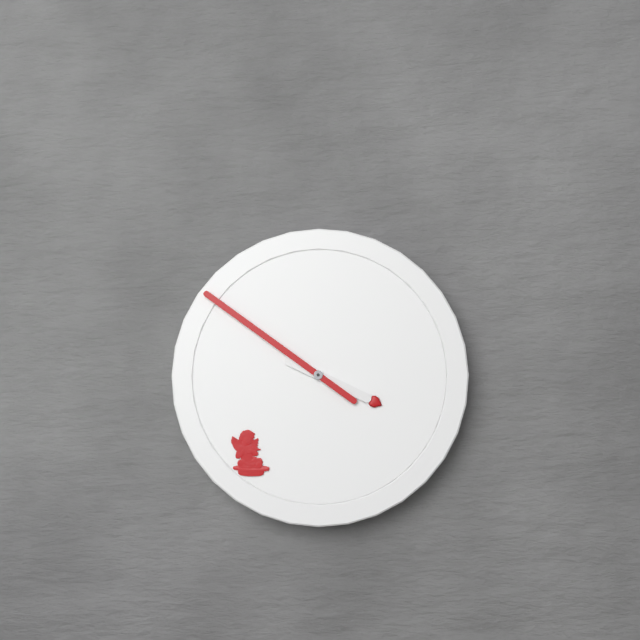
3:51
